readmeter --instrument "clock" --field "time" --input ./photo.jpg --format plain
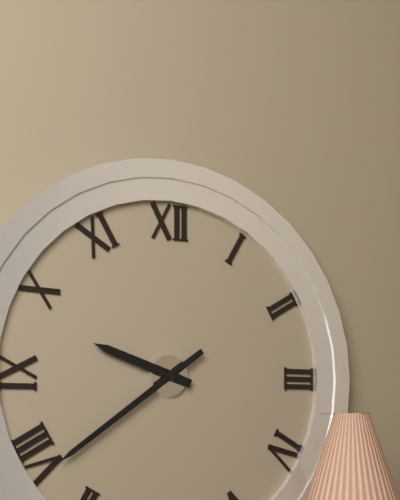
9:39
